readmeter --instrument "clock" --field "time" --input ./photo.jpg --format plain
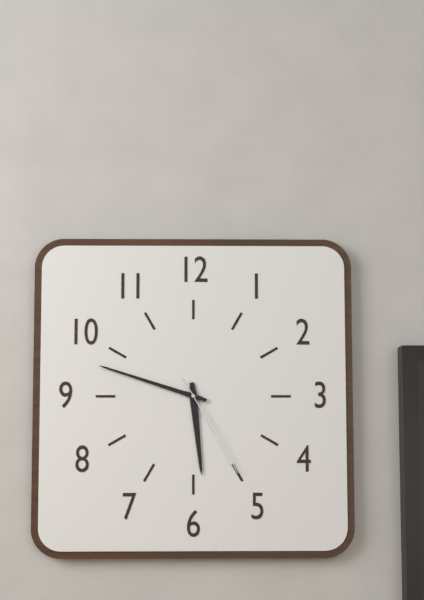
5:48:25
